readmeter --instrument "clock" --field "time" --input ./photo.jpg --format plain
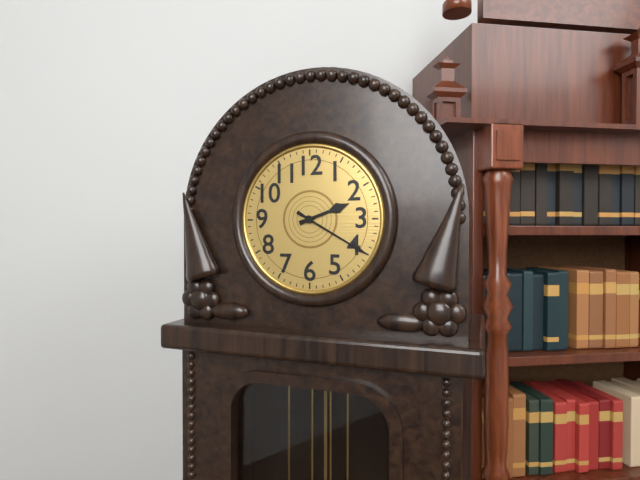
2:20
